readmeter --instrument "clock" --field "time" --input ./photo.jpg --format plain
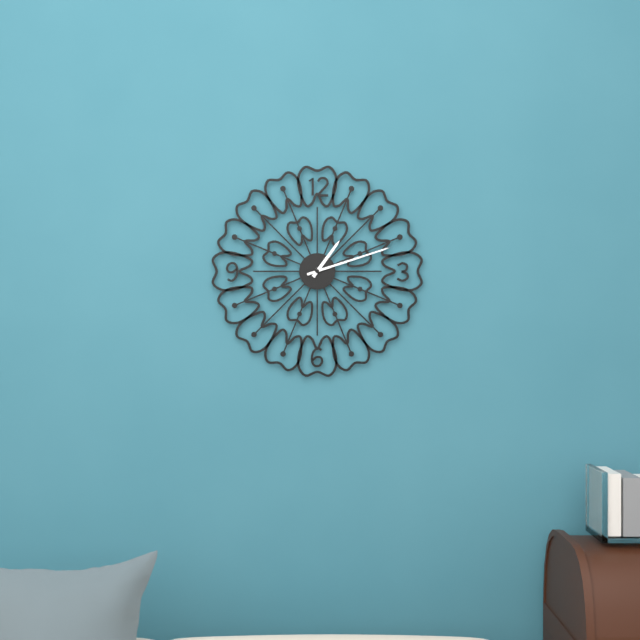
1:12
